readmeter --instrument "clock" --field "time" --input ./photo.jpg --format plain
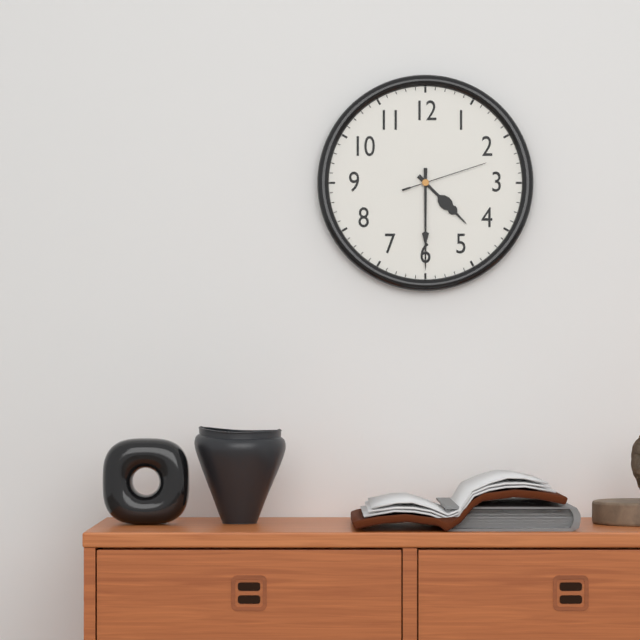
4:30:12
